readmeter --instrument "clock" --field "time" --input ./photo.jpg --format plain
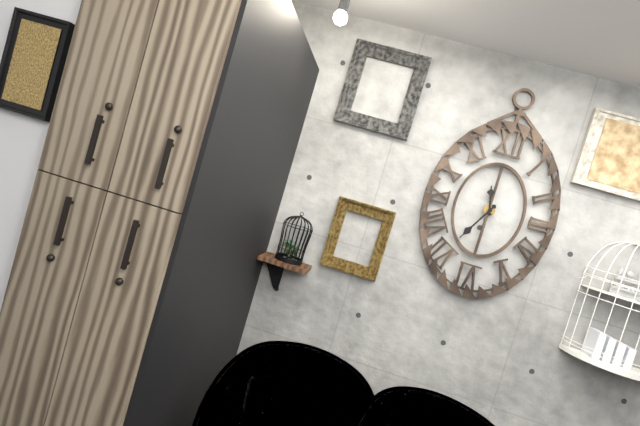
11:35
